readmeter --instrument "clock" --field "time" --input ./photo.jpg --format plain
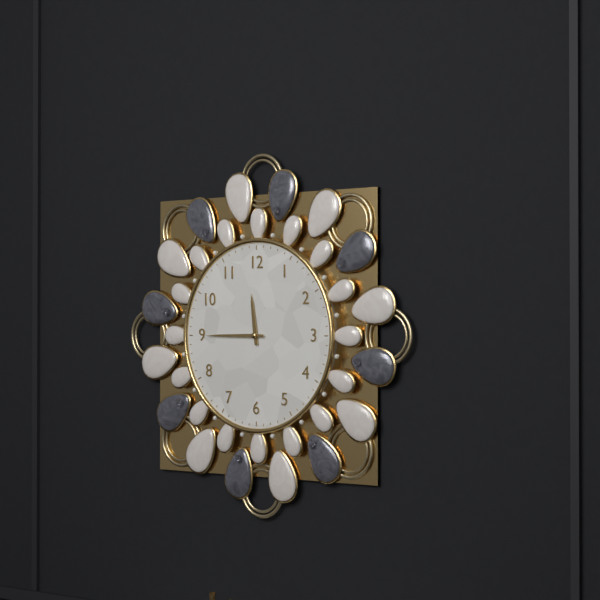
11:45
